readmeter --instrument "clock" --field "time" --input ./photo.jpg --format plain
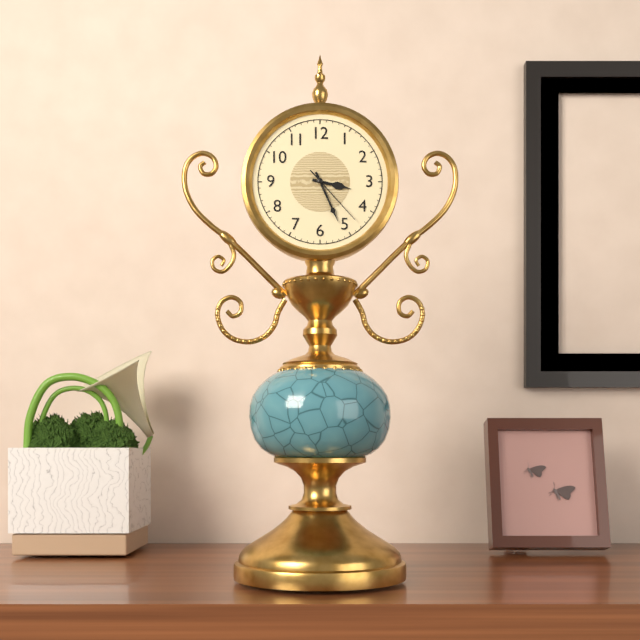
3:26:23
